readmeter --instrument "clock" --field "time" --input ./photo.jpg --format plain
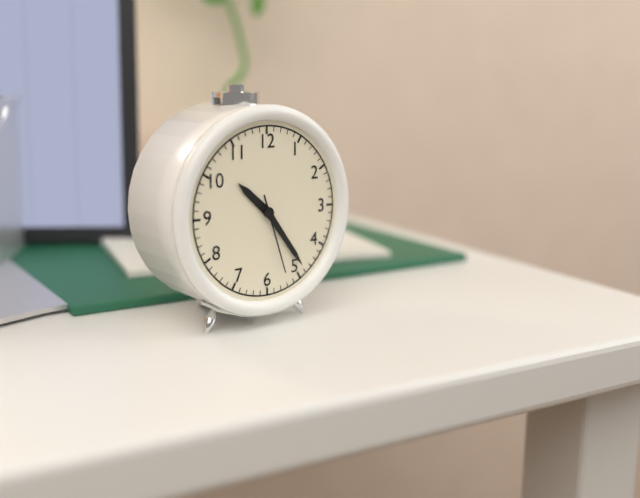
10:24:27
